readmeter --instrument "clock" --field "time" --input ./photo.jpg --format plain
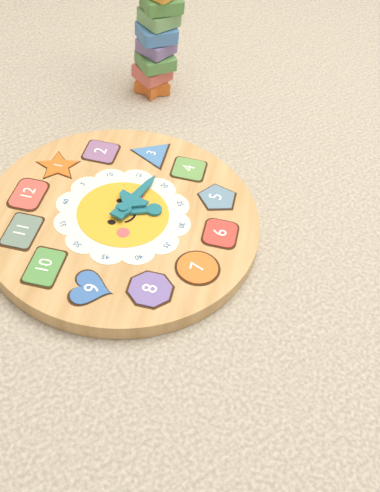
5:18
